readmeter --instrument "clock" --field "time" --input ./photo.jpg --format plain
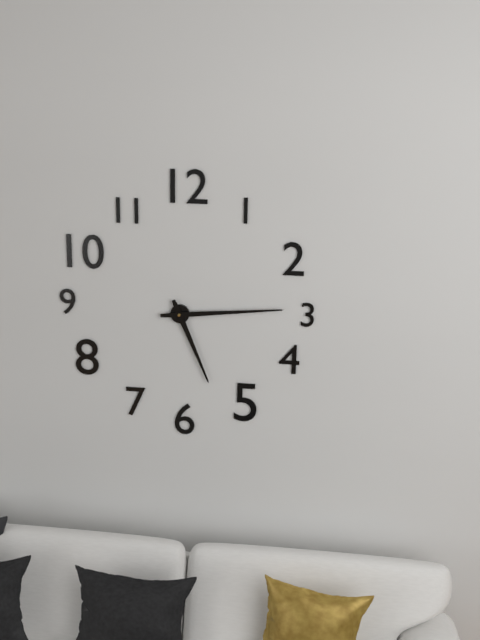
5:14
